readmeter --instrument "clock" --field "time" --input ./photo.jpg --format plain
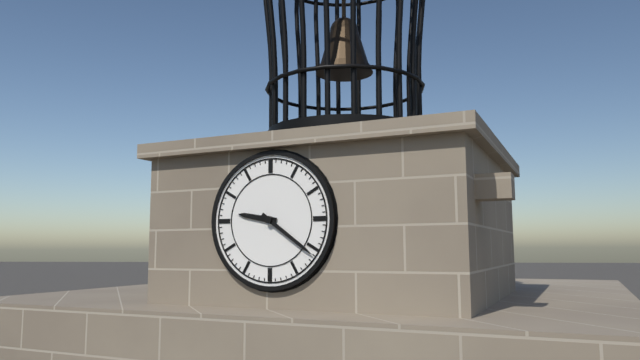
9:21
